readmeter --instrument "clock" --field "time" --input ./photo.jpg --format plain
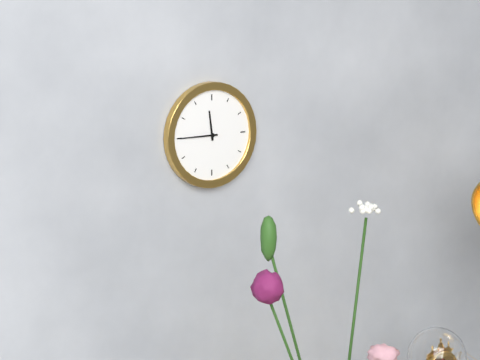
11:45
